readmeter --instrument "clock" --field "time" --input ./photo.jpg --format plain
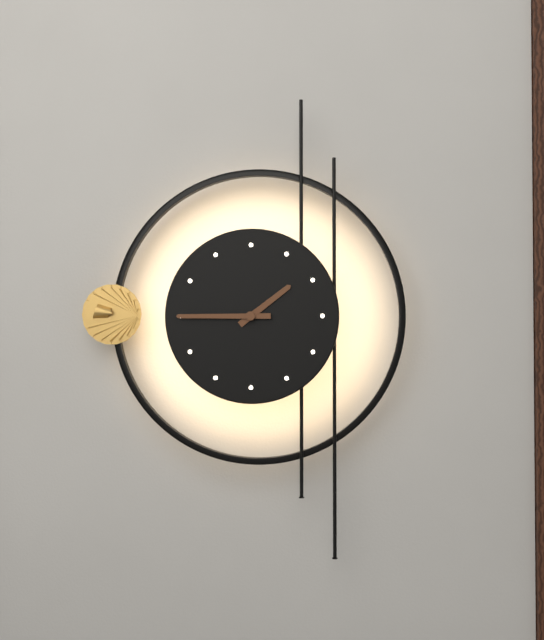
1:45
